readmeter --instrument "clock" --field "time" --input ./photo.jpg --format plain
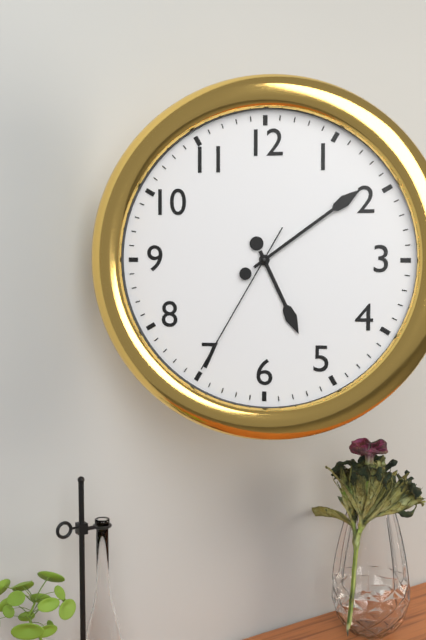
5:09:35
